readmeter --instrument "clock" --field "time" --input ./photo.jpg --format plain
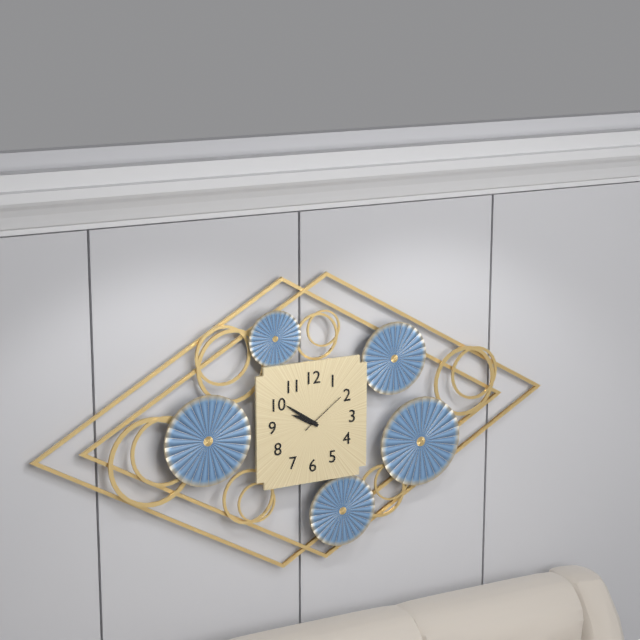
9:51
